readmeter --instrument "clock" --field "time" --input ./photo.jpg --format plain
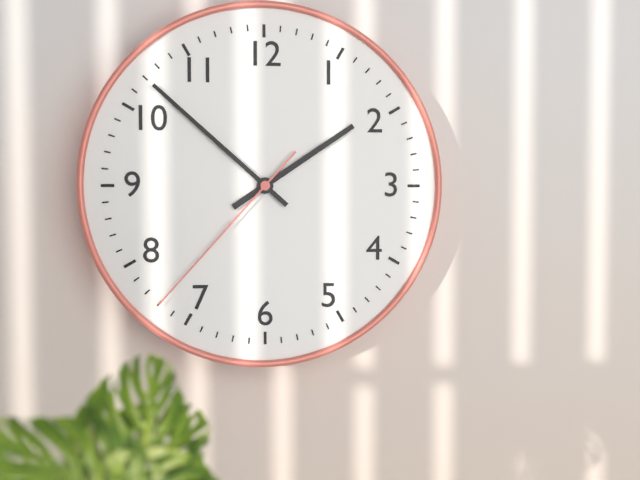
1:52:37
